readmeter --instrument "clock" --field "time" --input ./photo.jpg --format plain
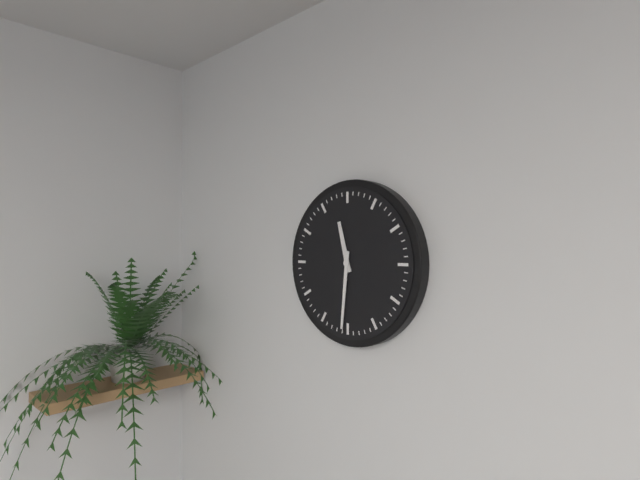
11:31
